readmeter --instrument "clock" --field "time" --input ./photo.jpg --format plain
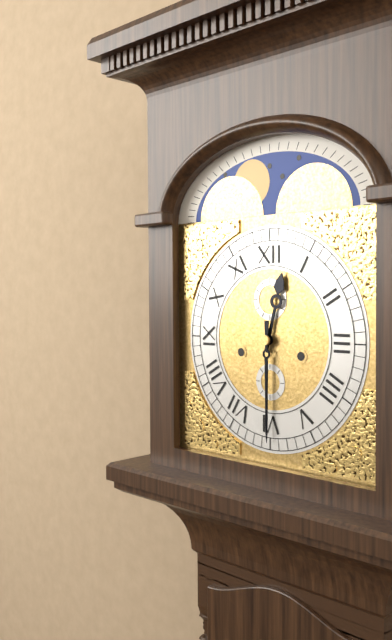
12:30
